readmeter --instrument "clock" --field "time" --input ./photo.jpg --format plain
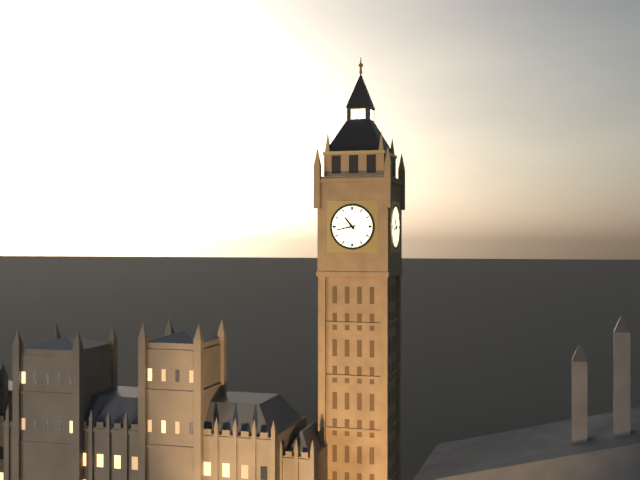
10:43
